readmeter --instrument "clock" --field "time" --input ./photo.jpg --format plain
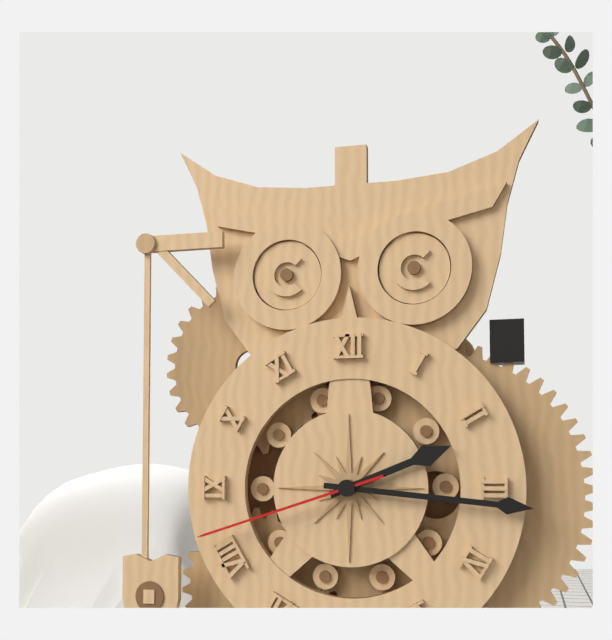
2:16:42
